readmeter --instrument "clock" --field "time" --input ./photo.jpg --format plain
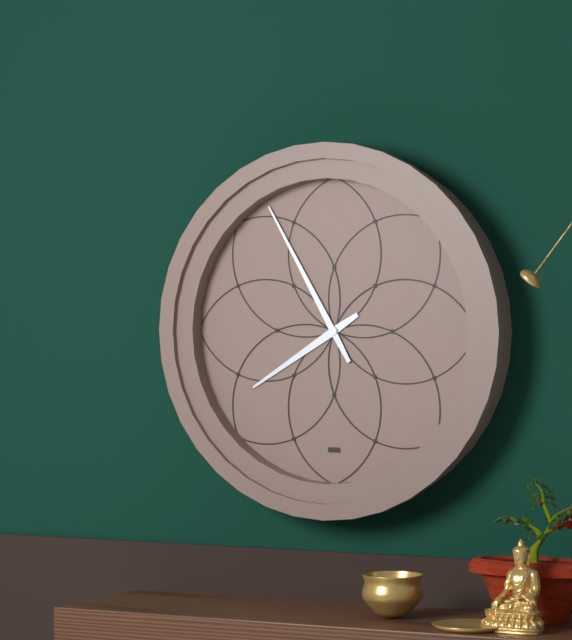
7:55
